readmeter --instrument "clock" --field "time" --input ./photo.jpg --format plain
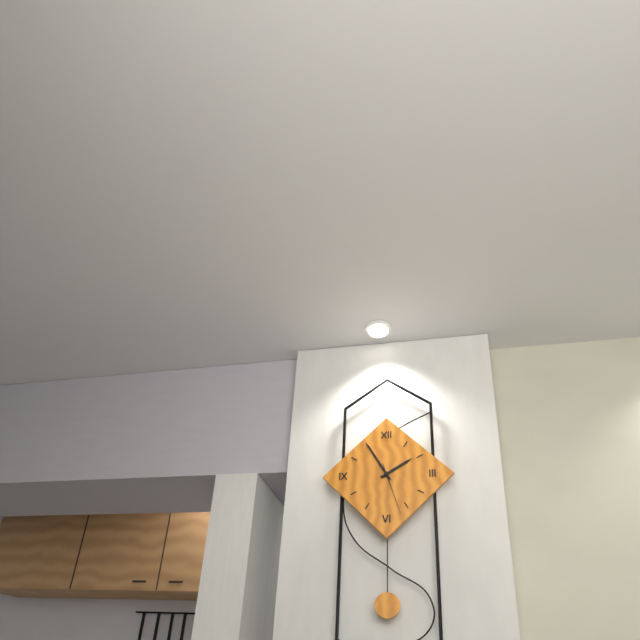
1:55:27
